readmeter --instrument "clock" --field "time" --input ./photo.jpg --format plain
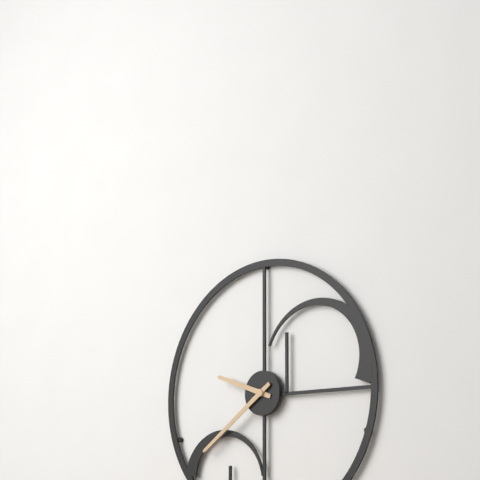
9:39
